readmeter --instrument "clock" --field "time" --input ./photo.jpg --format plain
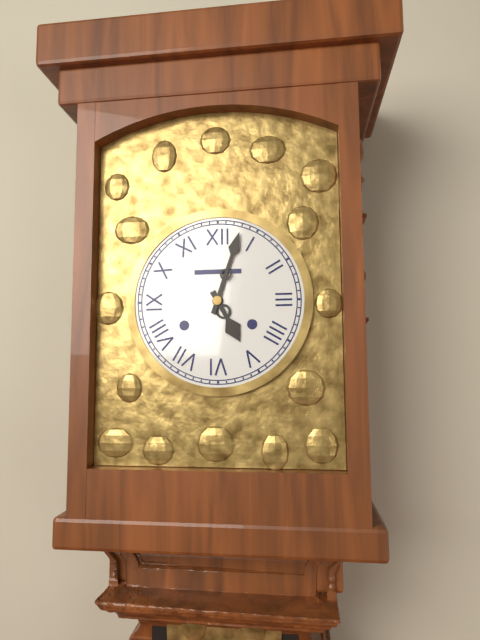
5:03
